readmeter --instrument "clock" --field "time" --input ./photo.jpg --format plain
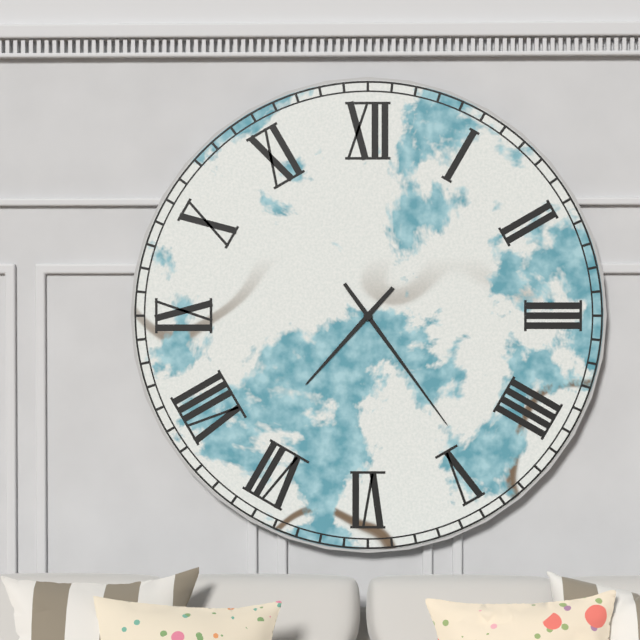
7:24
